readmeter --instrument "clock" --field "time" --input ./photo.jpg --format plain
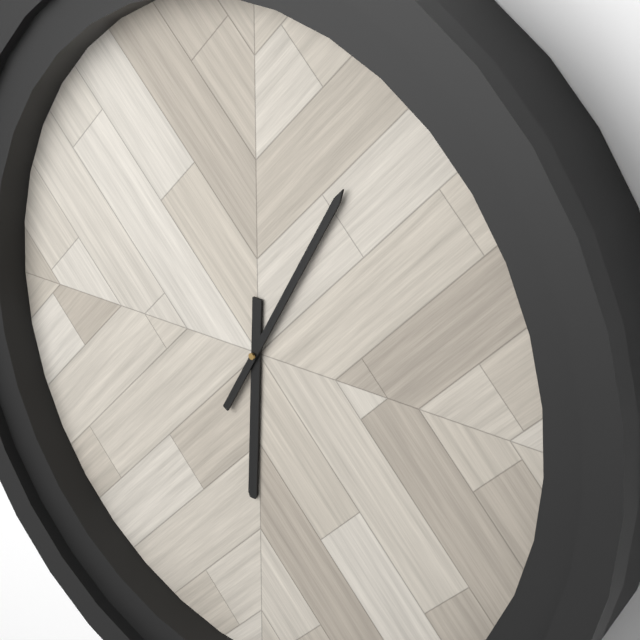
6:05
